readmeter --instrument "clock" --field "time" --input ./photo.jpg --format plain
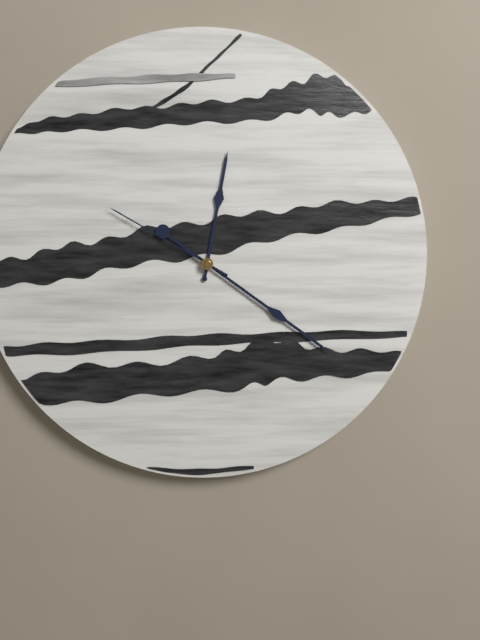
12:21:50
